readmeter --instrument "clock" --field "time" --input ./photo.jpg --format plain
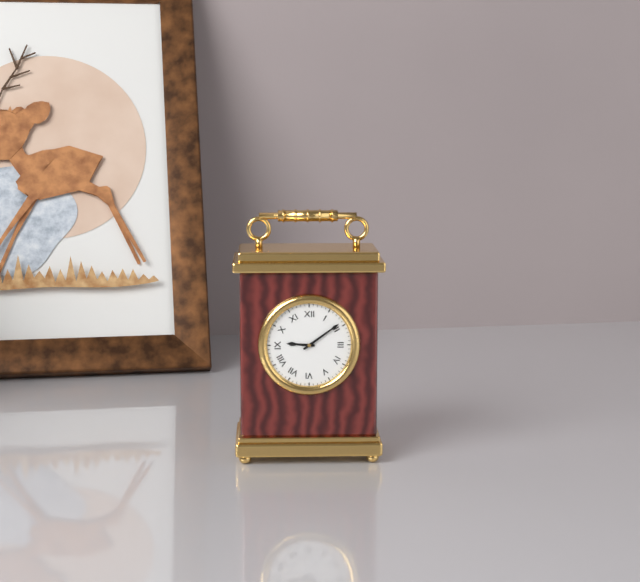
9:09
